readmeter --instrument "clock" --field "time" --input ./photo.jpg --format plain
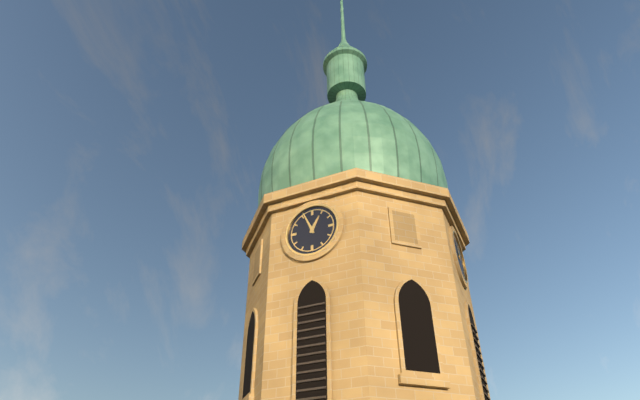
12:56
